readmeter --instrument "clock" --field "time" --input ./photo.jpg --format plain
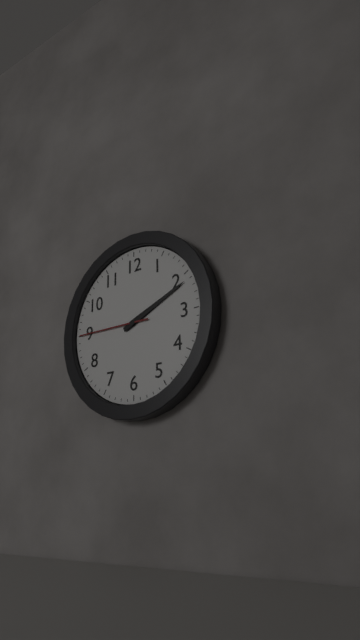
2:11:45
